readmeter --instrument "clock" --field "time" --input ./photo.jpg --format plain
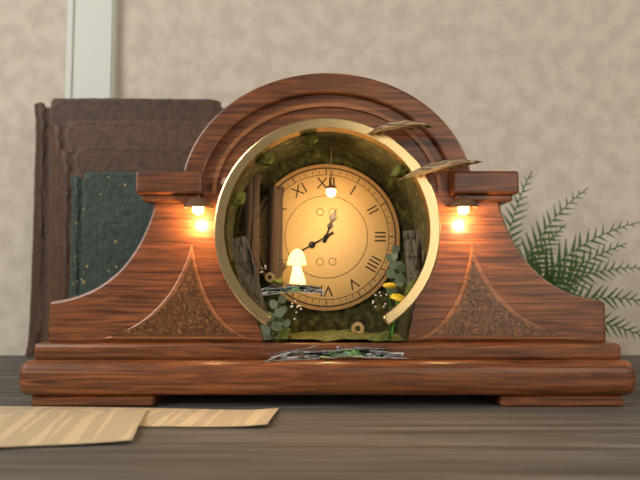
12:40
